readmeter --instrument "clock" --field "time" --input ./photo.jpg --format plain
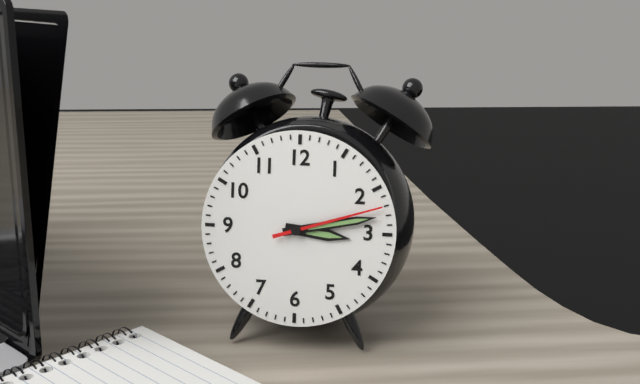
3:13:12
